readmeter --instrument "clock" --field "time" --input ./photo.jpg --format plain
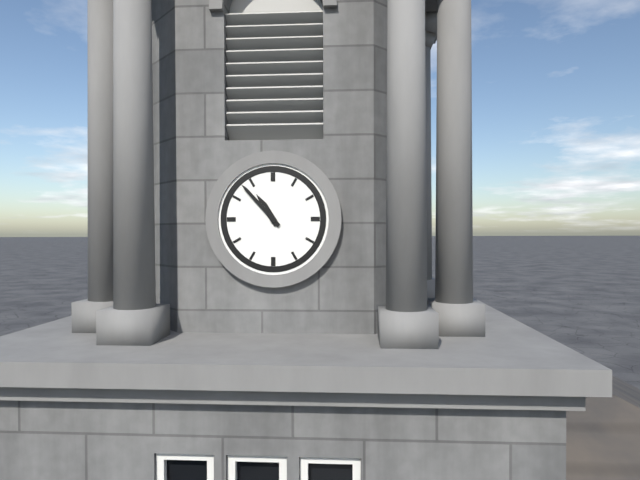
10:53
